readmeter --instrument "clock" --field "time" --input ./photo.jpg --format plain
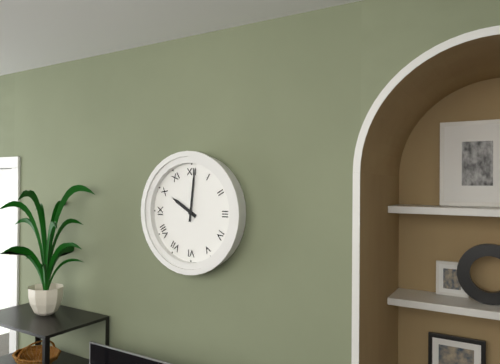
10:01
